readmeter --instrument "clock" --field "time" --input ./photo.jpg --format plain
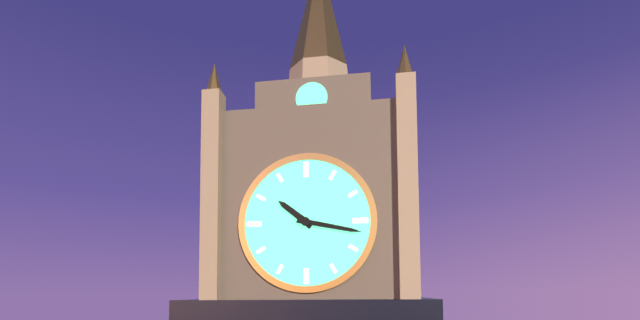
10:17
